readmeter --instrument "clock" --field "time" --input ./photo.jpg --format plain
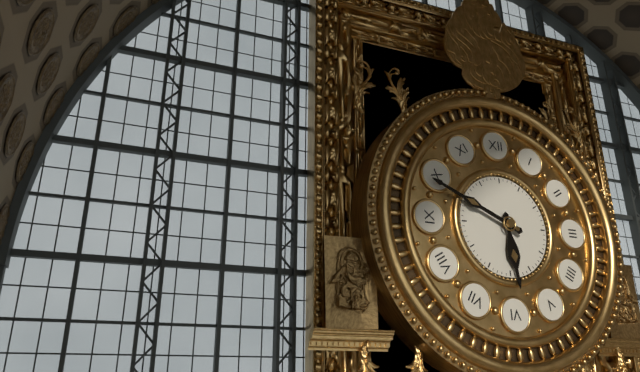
5:49
